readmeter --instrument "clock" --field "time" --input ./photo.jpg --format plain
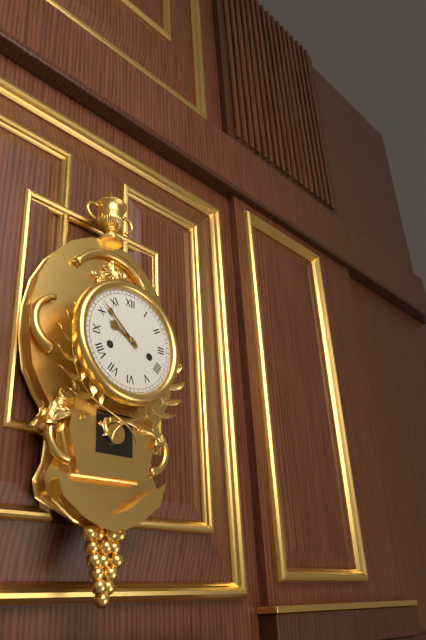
9:52
